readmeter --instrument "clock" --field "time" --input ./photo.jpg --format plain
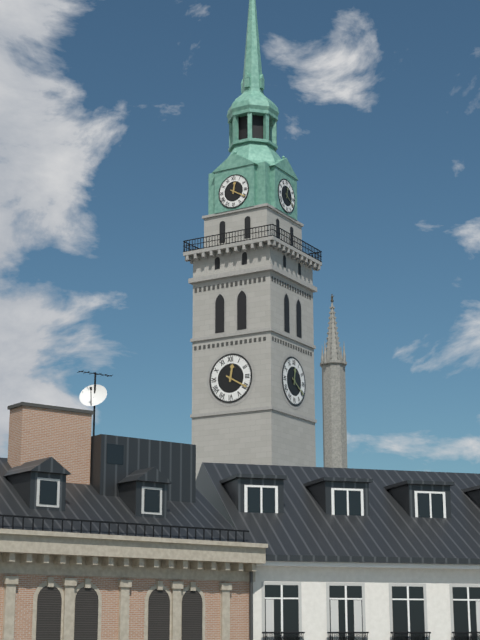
12:20
